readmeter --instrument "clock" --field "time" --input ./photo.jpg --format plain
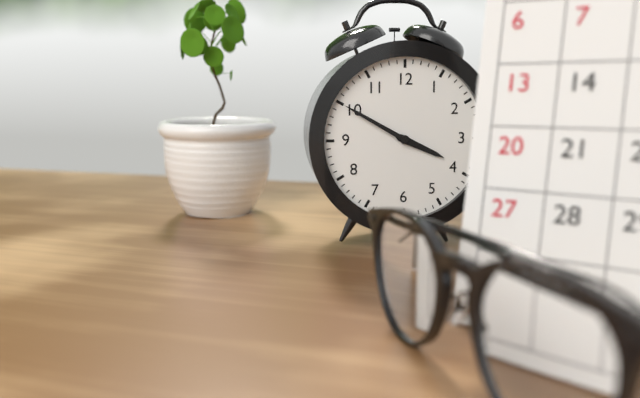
3:50
